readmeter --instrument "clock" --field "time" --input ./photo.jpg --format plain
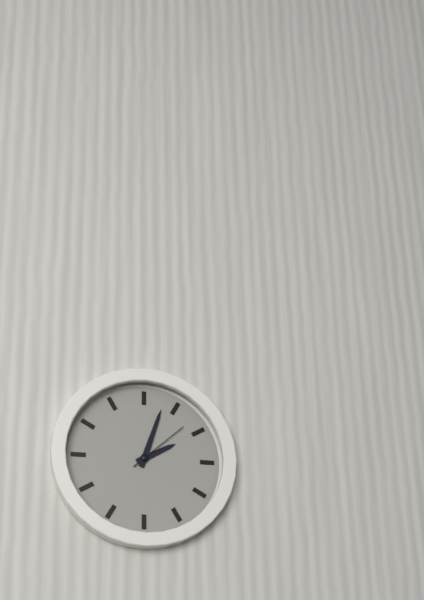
2:03:08
